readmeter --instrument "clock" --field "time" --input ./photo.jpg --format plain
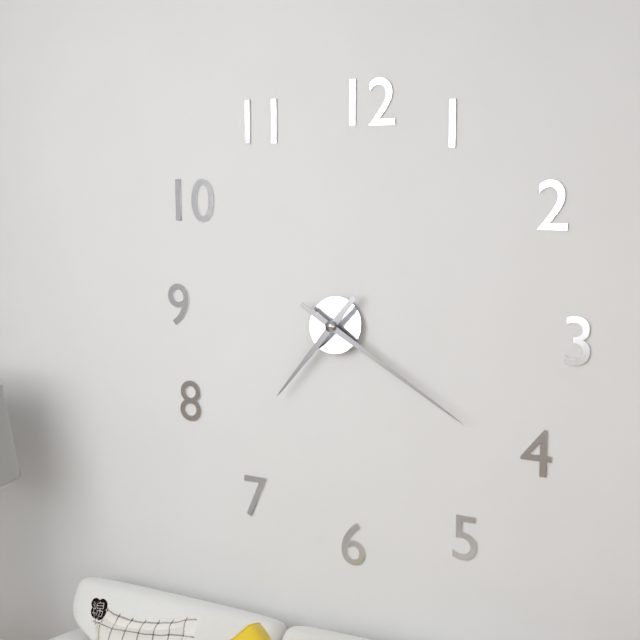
7:20
